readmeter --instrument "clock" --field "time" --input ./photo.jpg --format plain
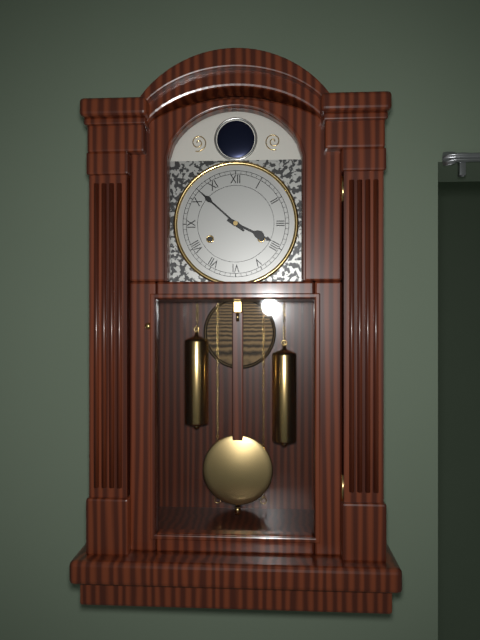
3:52
